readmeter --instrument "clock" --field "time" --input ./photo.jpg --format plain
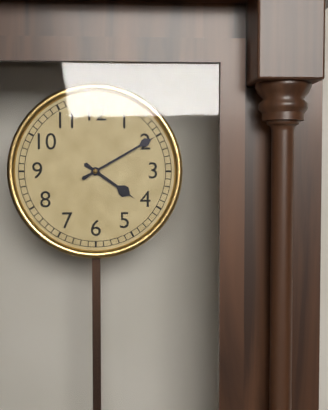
4:10
